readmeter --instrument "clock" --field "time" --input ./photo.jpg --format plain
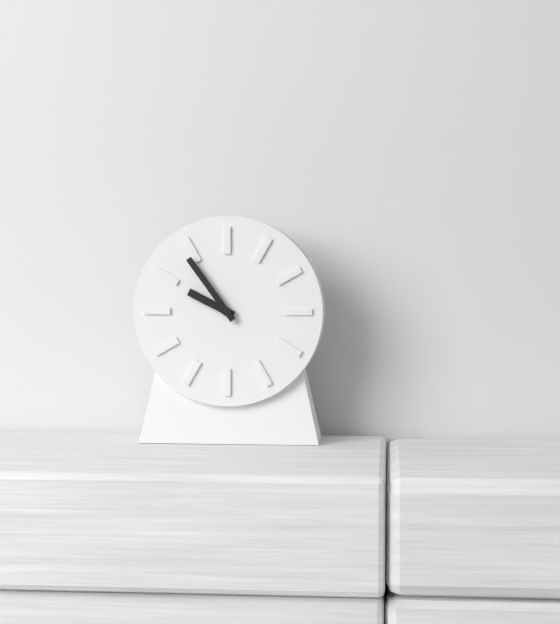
9:54
